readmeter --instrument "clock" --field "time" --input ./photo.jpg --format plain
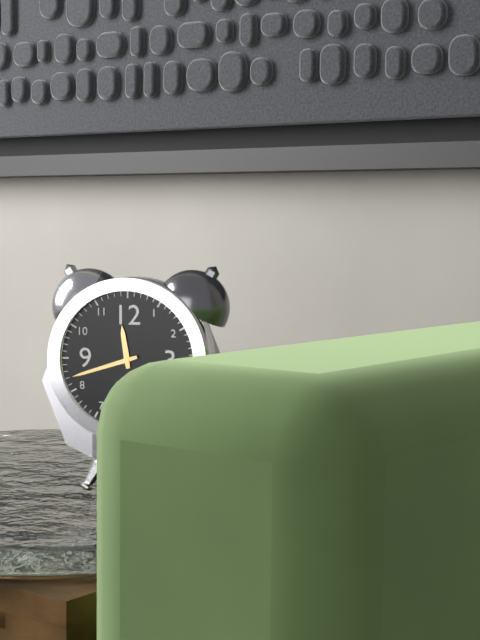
11:42
